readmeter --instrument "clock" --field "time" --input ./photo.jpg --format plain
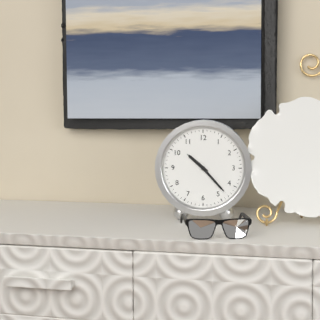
10:23
